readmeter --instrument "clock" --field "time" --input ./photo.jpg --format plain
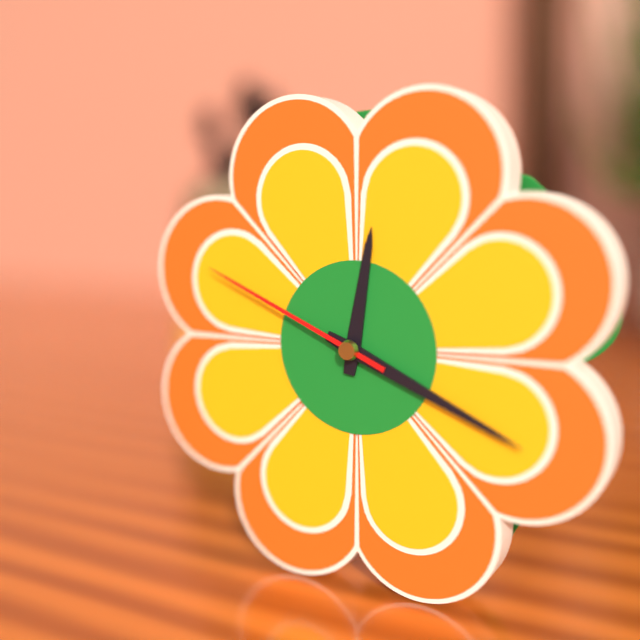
12:19:49
